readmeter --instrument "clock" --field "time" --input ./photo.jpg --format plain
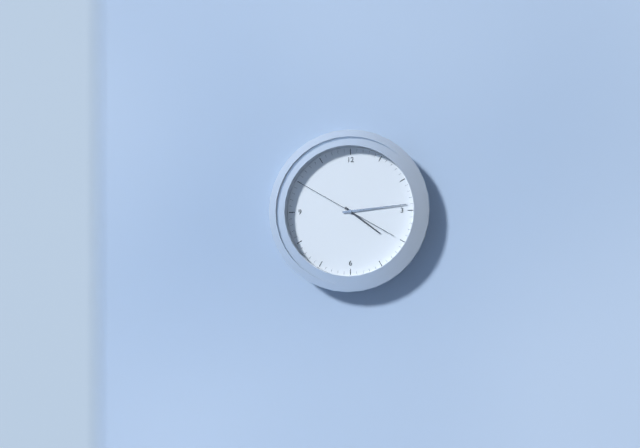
4:14:50
